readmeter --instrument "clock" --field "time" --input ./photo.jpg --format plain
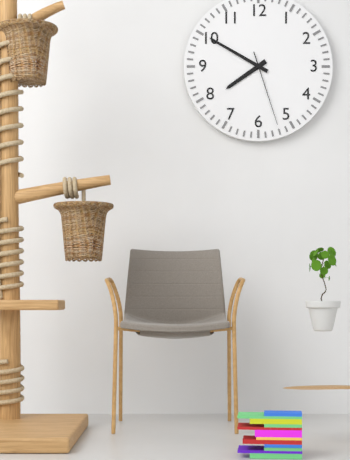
7:50:27
